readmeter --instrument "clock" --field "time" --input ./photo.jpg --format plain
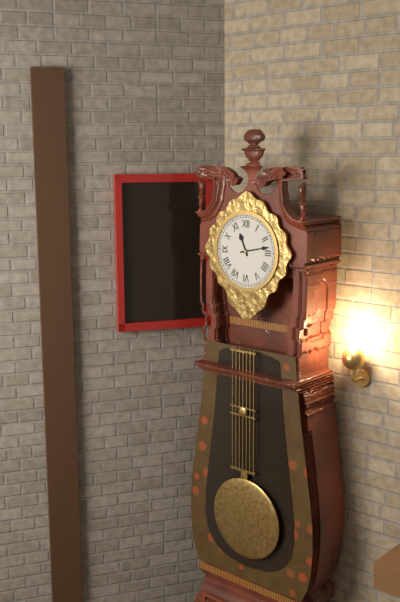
11:13
